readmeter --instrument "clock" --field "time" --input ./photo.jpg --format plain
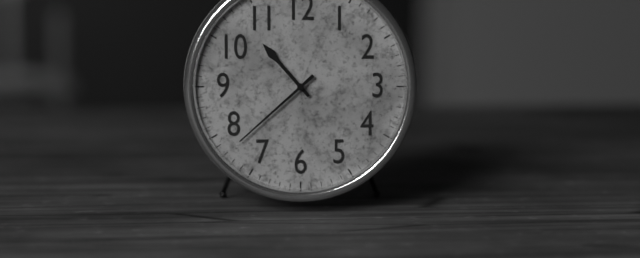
10:38
